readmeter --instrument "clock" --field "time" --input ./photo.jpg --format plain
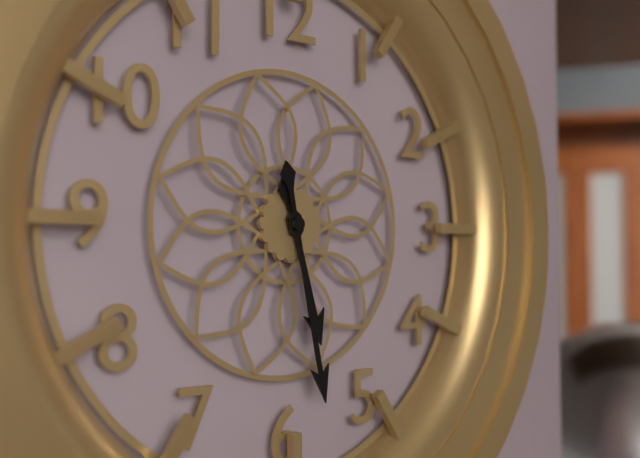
5:28
